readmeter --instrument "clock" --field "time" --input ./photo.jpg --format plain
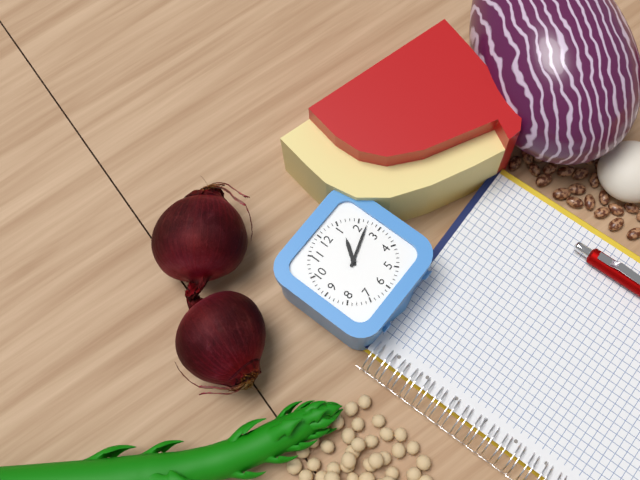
1:12
